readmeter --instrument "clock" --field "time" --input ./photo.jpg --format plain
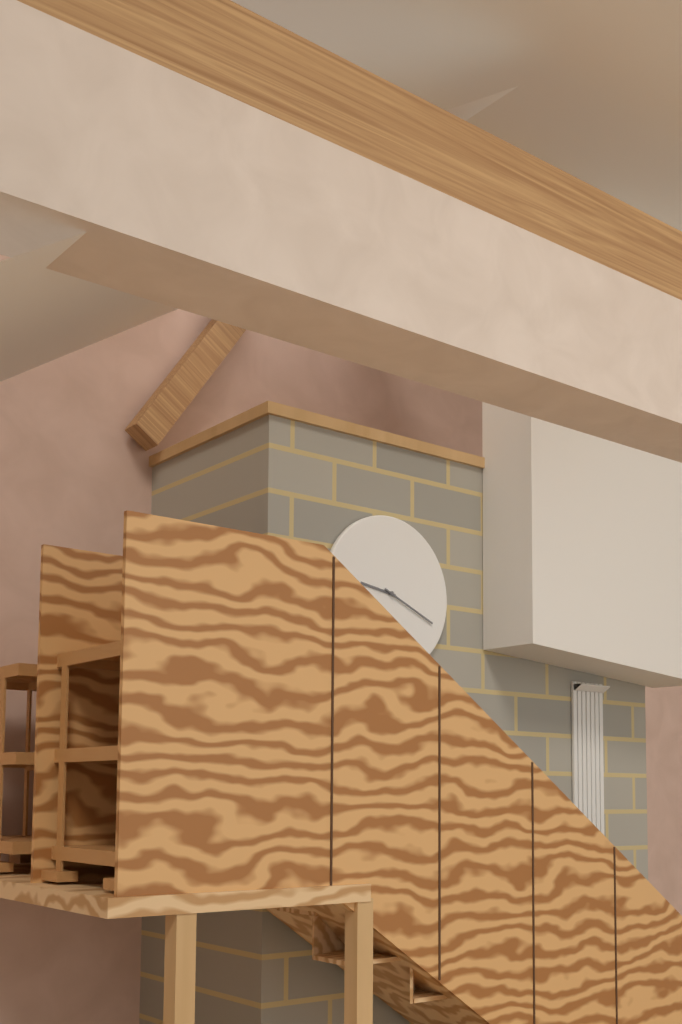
9:19
